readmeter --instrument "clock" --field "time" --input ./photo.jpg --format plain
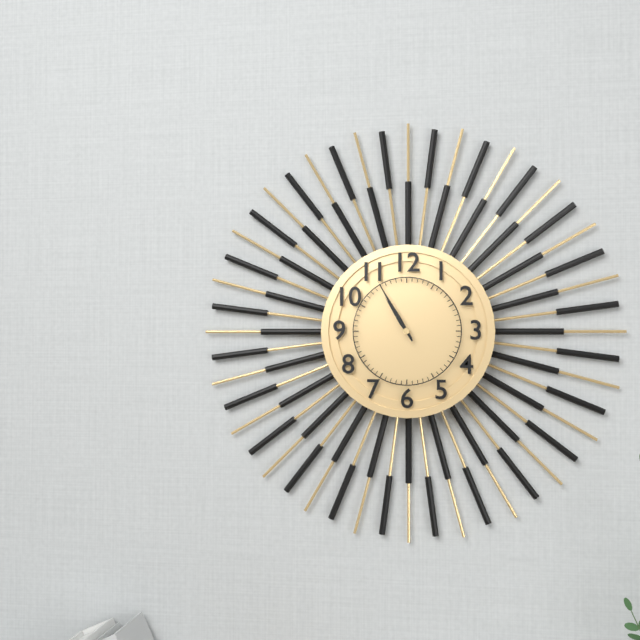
10:55
